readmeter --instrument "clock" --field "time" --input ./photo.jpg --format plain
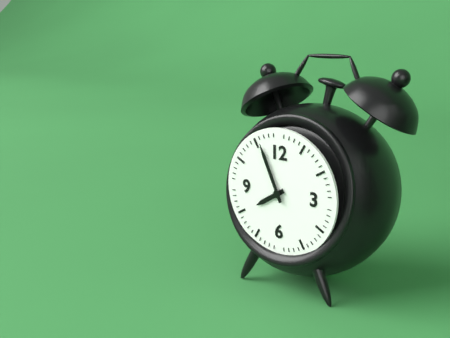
7:56
